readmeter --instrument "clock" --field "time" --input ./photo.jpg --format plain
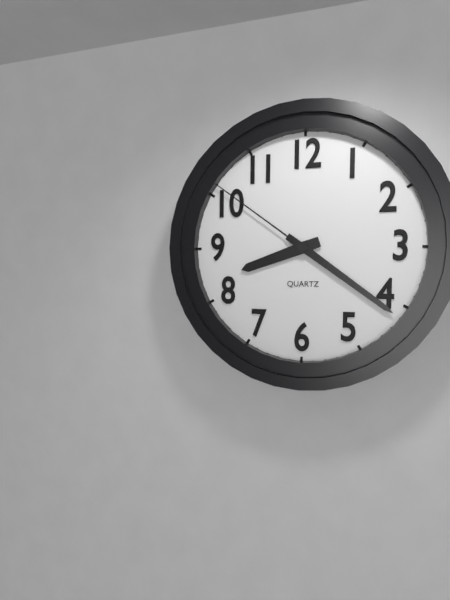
8:21:51
